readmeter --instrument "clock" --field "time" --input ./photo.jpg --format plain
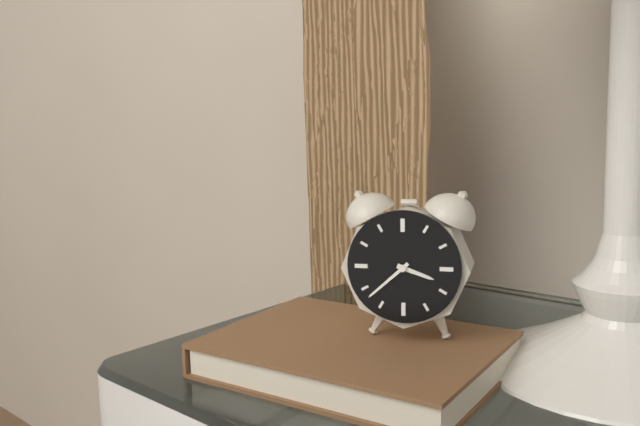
3:38
